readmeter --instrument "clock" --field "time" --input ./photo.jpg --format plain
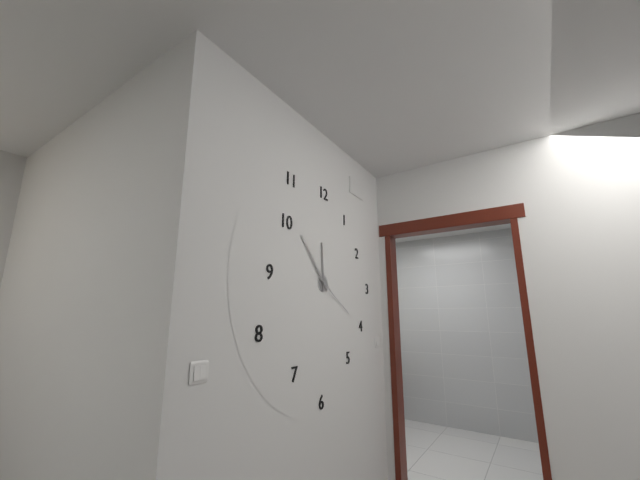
11:53
